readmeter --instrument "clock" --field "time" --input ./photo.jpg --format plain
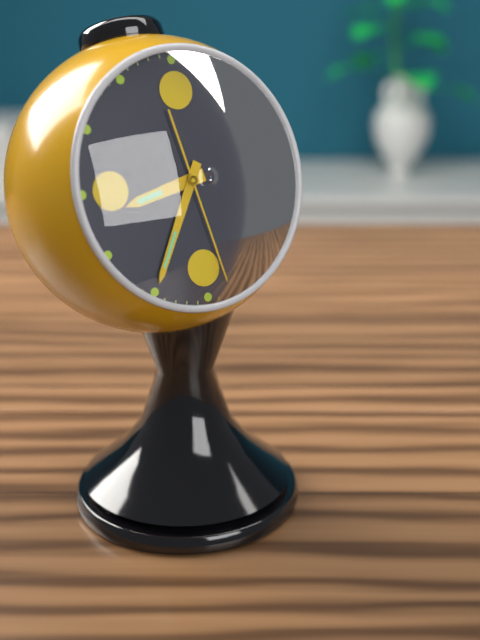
8:35:28
